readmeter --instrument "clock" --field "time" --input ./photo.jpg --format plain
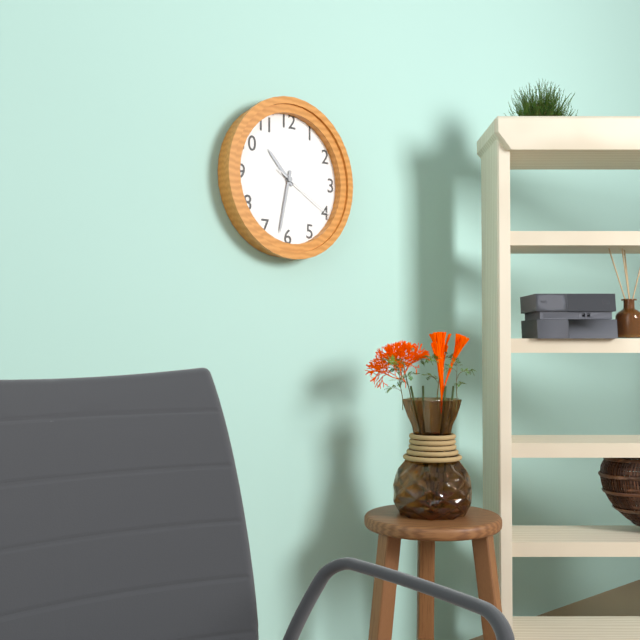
10:32:20
